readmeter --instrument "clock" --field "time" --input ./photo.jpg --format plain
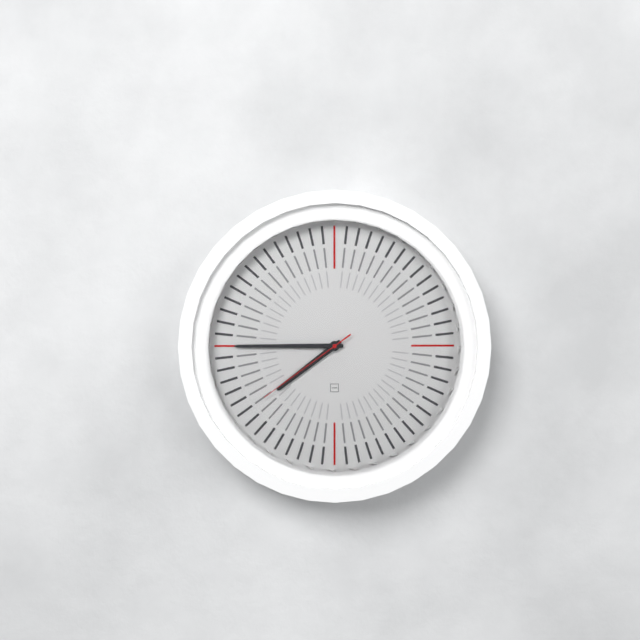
7:45:39
